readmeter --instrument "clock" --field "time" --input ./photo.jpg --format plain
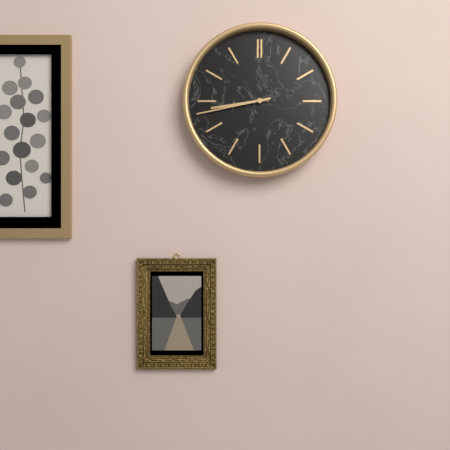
8:43
